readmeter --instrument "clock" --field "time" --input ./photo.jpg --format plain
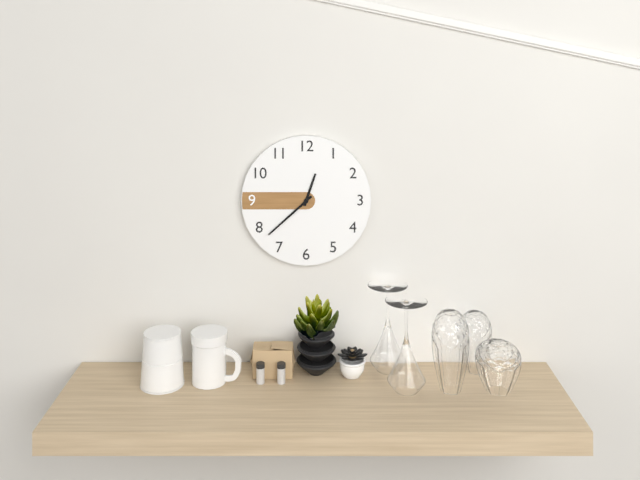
12:38
